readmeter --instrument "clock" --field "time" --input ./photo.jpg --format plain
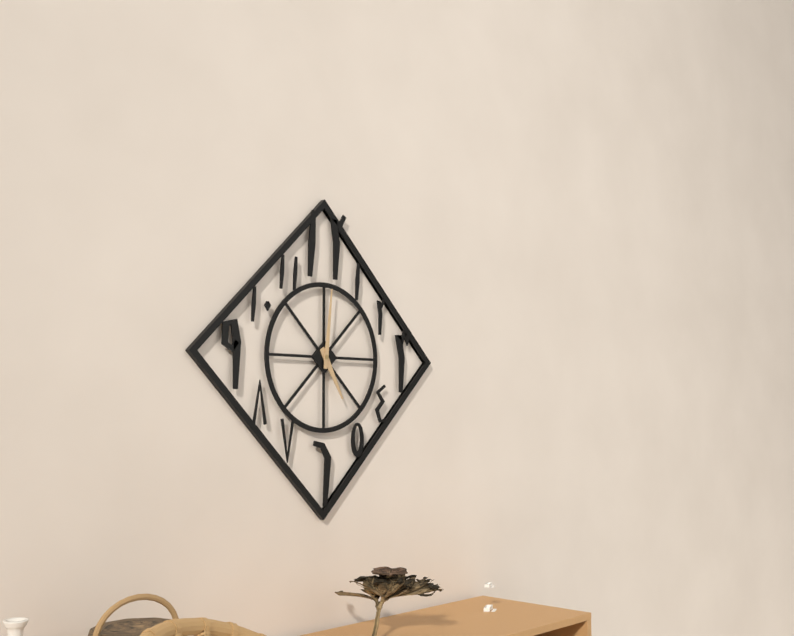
5:01
